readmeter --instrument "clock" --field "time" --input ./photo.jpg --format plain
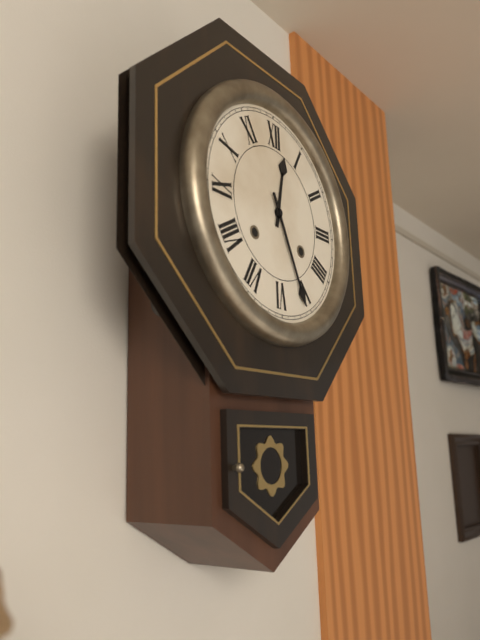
12:26
